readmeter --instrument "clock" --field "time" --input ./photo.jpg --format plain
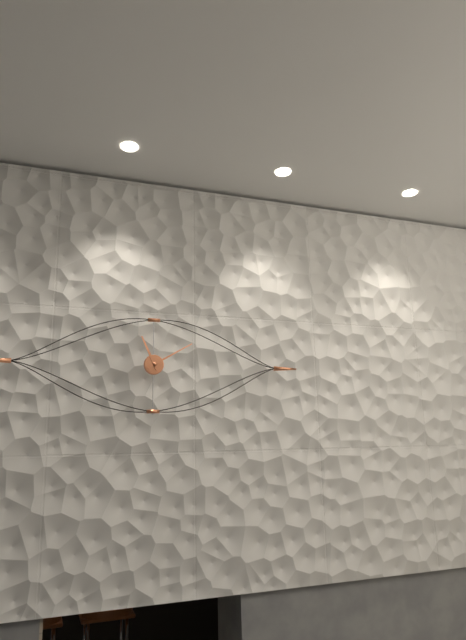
11:10
